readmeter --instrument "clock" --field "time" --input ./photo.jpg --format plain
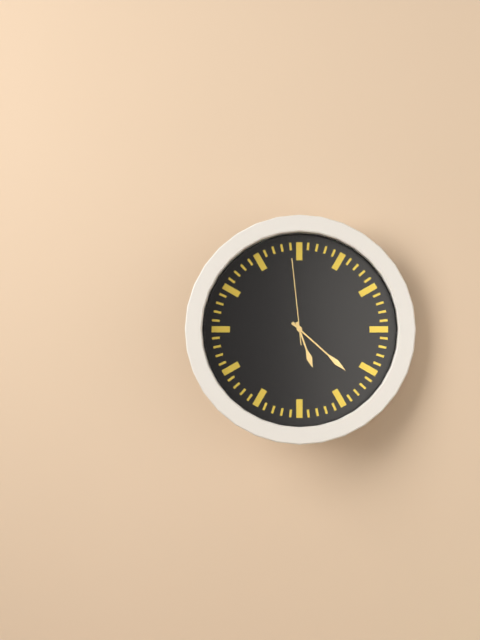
5:22:59
